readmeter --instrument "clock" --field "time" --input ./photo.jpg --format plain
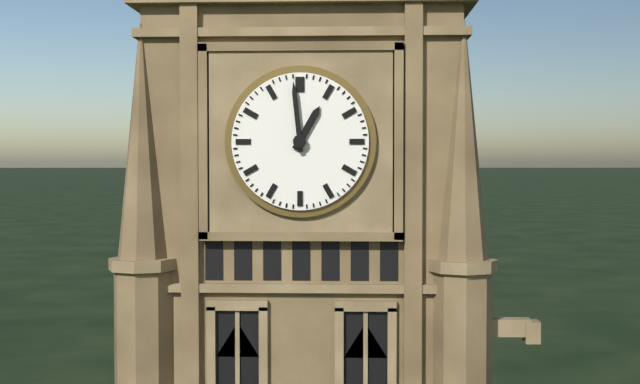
12:59
